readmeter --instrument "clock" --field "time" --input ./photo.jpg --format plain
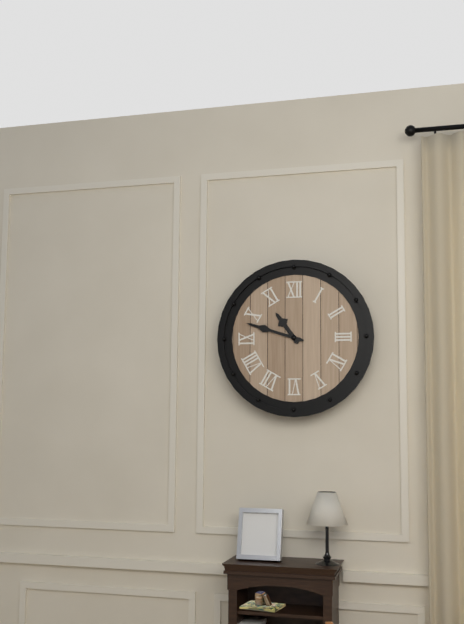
10:48
